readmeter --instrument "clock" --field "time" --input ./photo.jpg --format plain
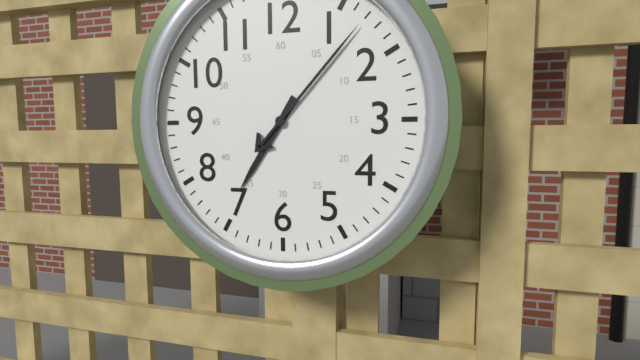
7:07
